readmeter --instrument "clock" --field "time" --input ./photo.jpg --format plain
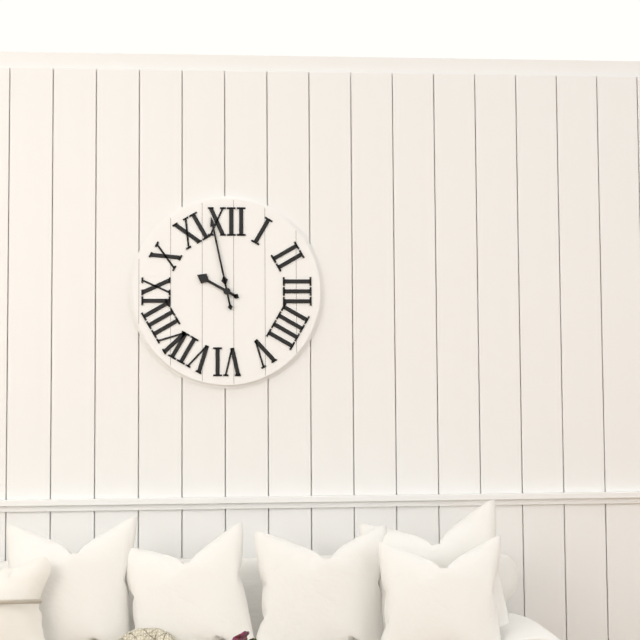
9:58
